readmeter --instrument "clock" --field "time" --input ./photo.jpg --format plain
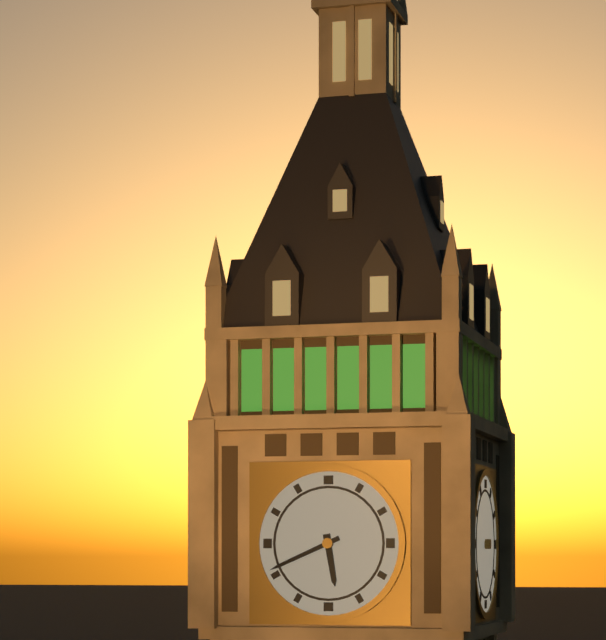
5:41
